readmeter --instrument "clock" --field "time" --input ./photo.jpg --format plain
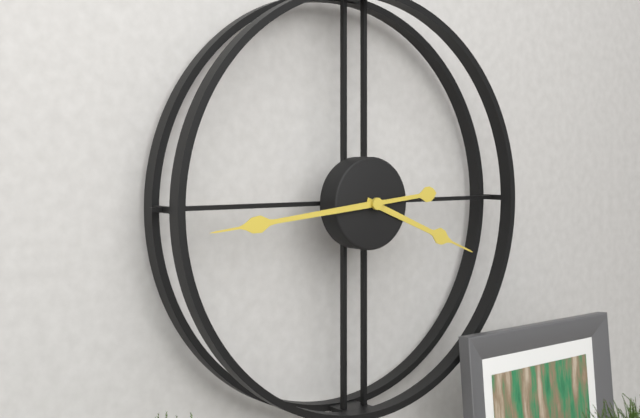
3:44
